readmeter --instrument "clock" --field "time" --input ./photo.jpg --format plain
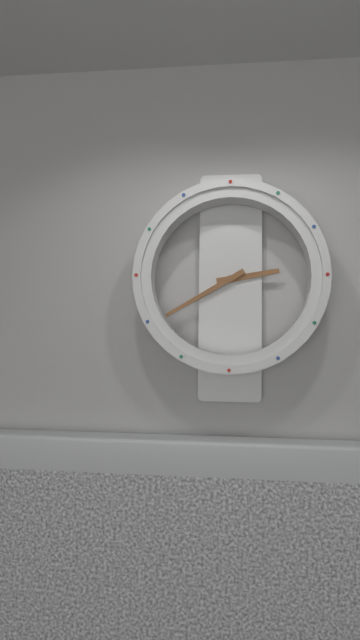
2:40
